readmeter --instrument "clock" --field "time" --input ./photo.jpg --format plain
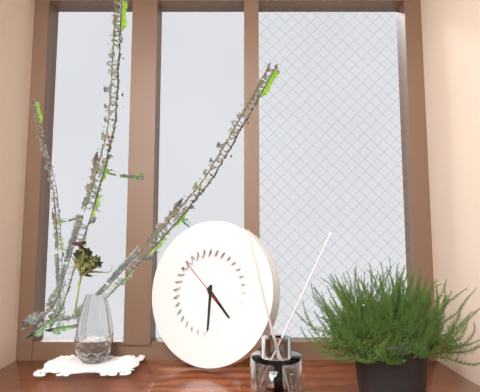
4:30:52
